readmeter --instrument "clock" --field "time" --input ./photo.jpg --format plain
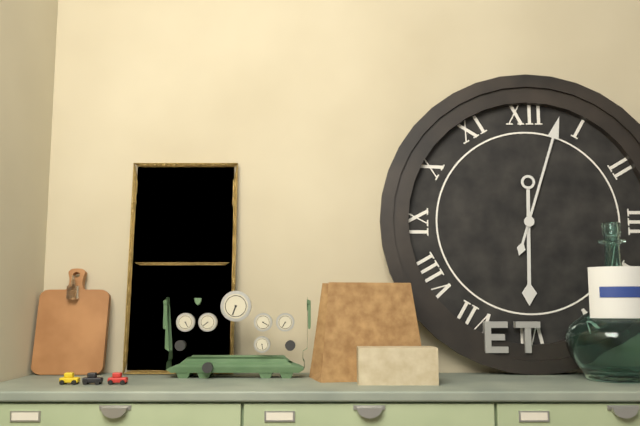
6:03
